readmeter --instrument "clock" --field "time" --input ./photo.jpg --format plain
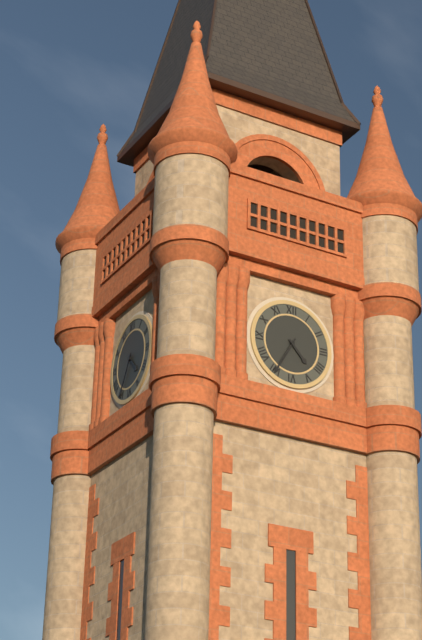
4:35
